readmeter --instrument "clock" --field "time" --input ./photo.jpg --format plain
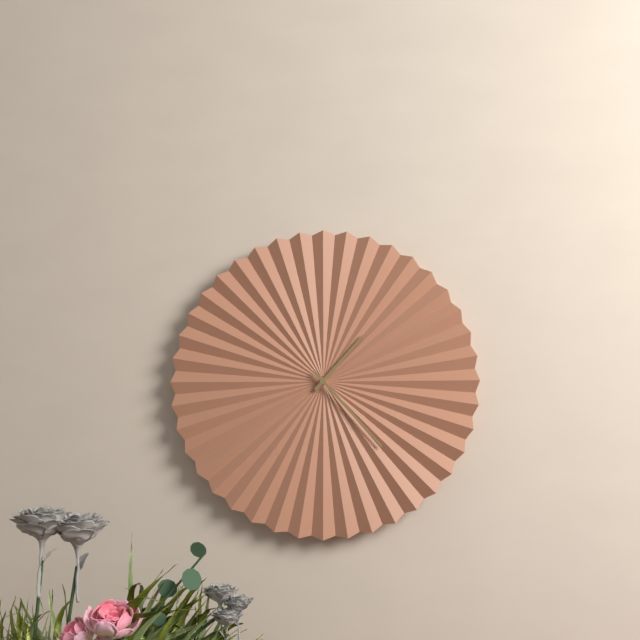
1:23
